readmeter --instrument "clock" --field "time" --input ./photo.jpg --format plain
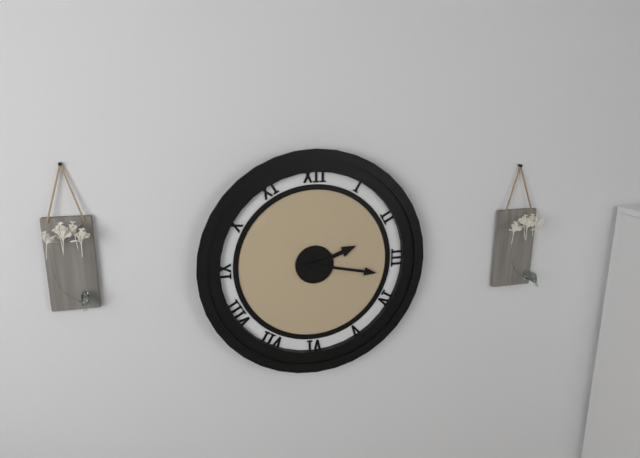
2:17
